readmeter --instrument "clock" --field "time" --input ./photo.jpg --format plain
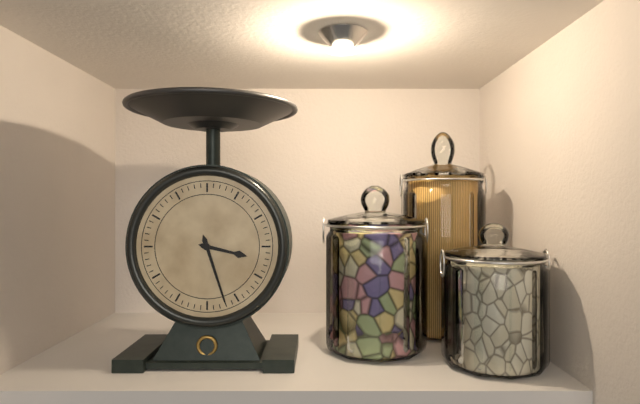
3:27
